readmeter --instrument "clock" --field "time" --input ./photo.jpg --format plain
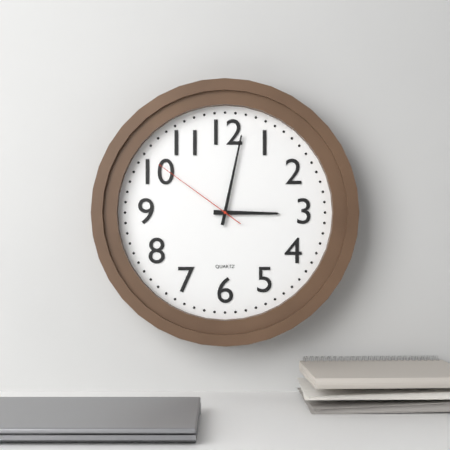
3:02:51
